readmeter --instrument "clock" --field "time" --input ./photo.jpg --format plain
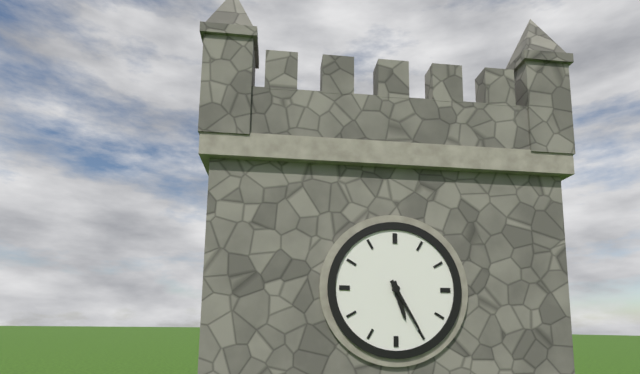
5:25
